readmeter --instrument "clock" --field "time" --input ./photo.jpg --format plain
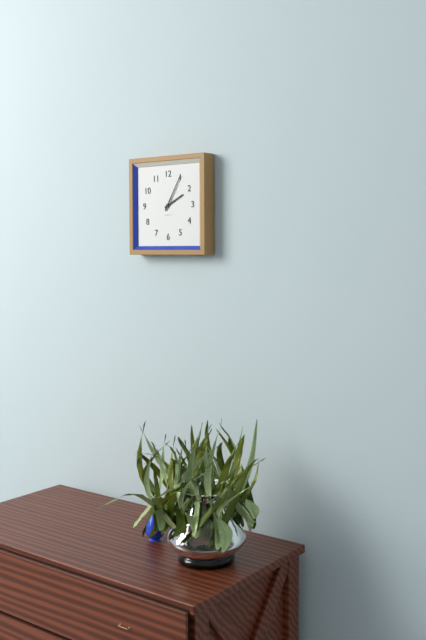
2:05
